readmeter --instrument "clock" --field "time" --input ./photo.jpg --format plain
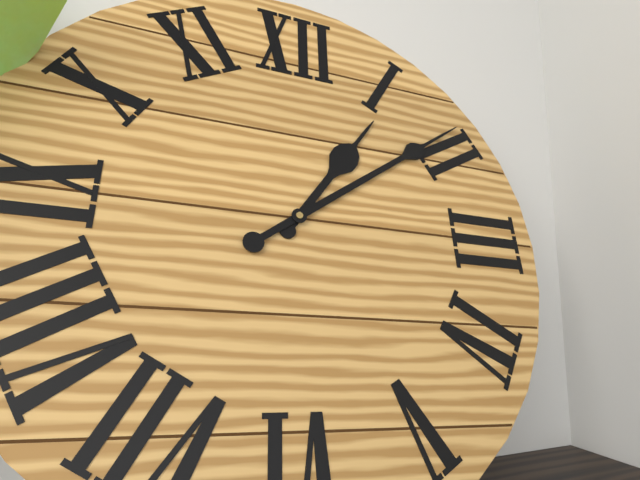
1:09
